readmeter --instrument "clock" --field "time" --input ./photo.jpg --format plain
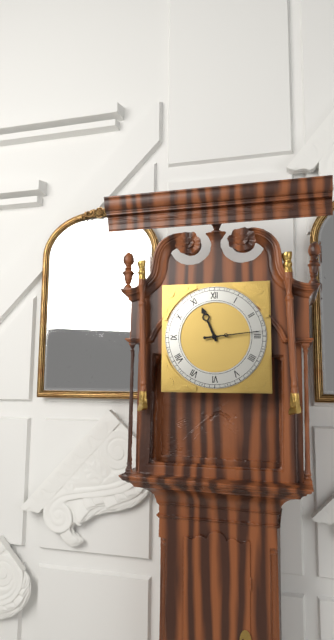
11:14
